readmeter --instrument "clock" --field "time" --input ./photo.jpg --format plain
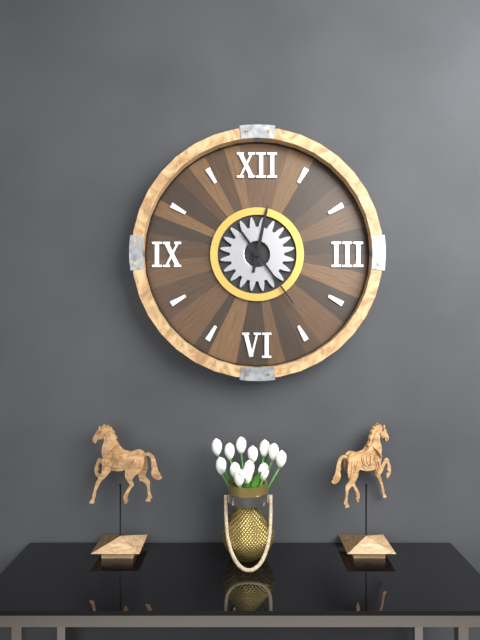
12:24
